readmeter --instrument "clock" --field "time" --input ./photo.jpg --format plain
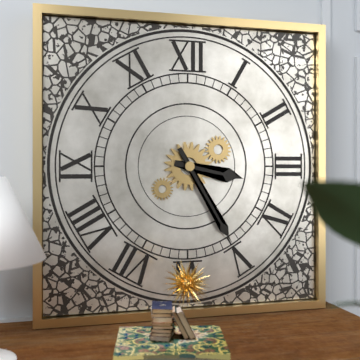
3:25
